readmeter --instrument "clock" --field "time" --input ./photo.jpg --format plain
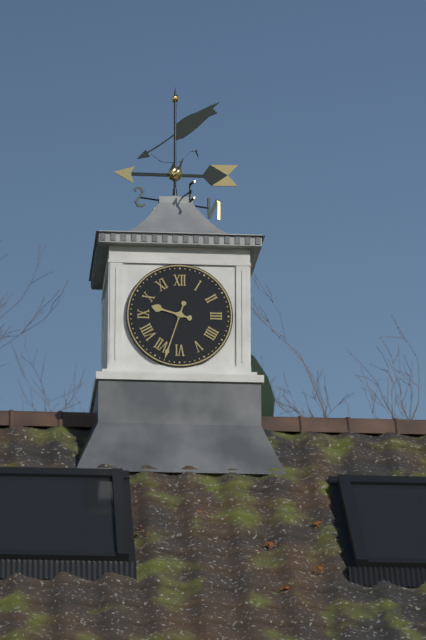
9:33
